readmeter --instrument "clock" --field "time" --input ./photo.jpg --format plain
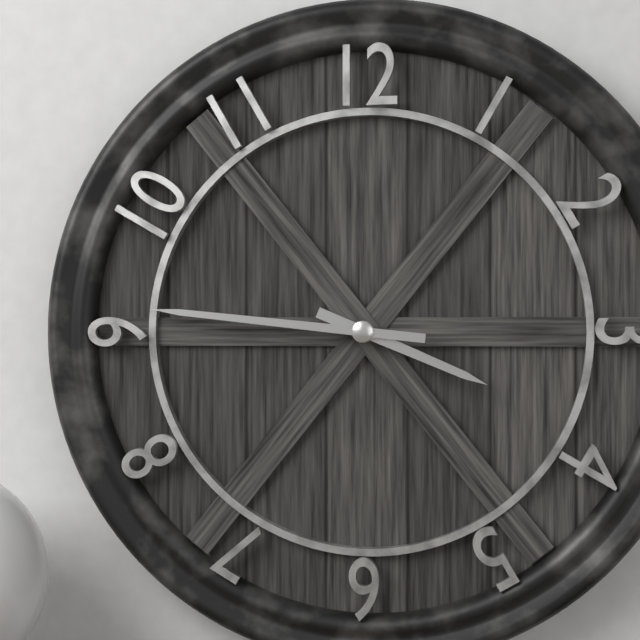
3:46
